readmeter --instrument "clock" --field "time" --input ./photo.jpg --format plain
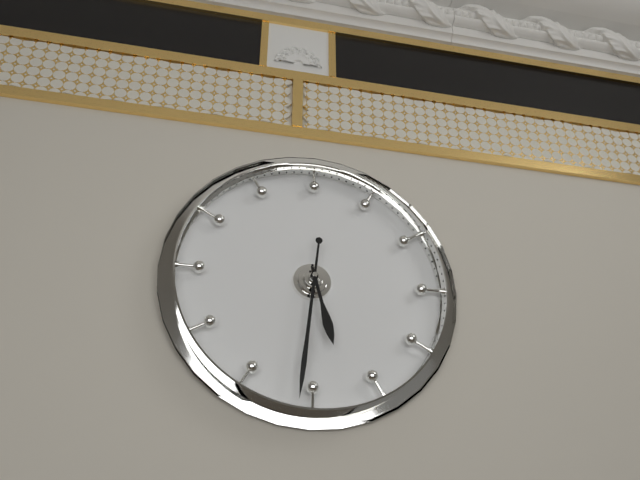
5:31
